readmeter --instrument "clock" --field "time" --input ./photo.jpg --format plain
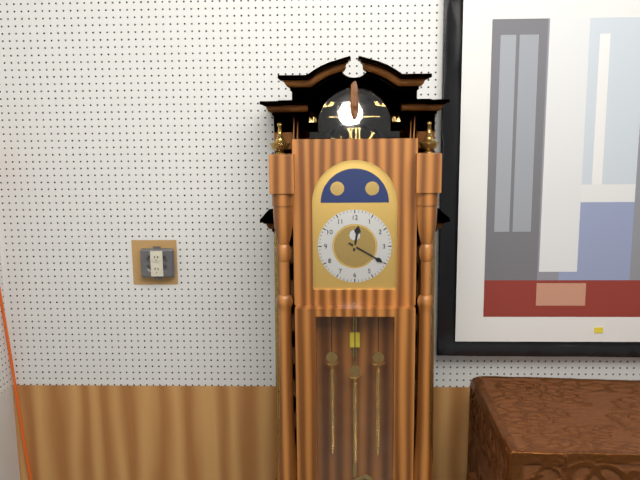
12:20
